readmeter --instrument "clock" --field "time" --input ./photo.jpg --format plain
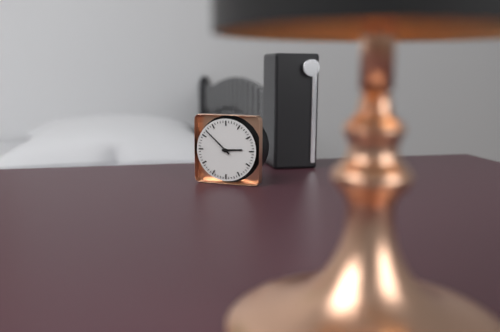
2:52
